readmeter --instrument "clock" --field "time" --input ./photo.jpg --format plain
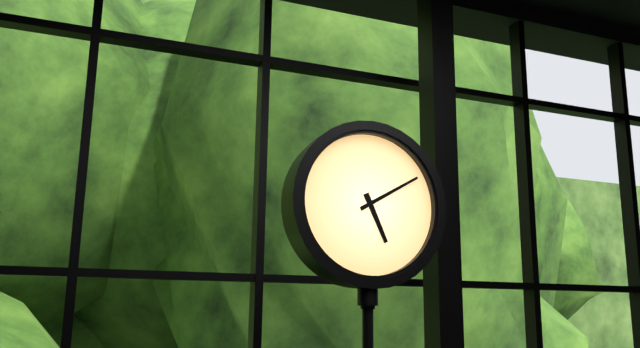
5:10
